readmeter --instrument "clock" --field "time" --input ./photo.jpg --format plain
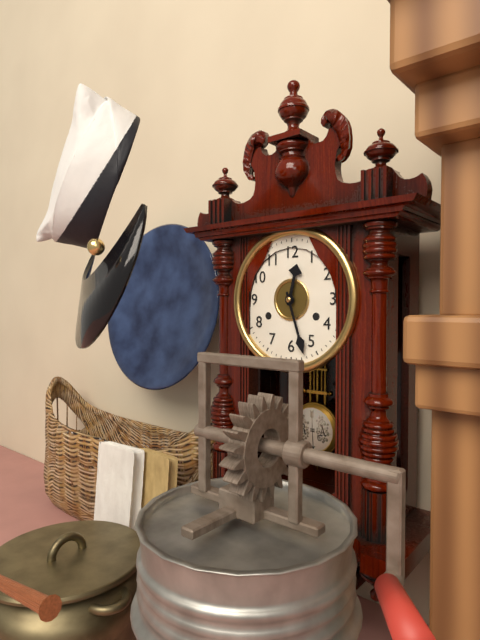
12:27
